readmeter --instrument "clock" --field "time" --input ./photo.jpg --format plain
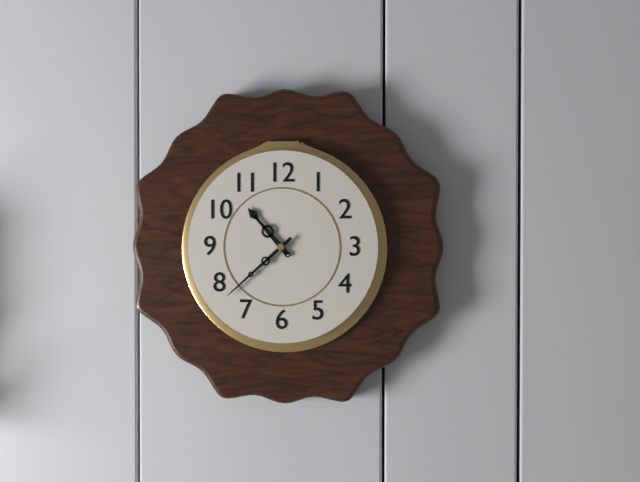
10:38
